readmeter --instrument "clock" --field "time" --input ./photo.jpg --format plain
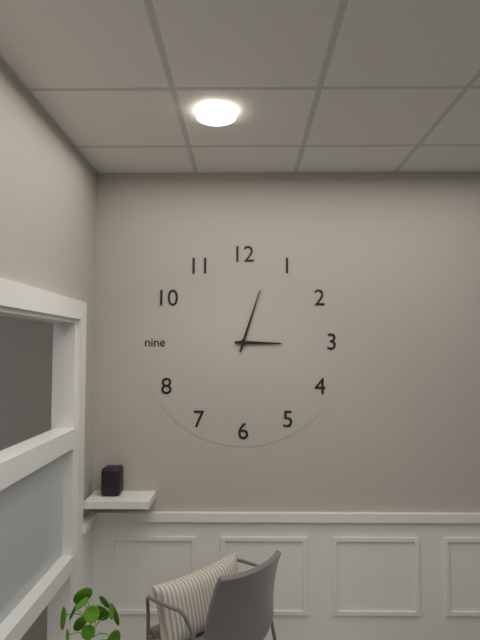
3:03
